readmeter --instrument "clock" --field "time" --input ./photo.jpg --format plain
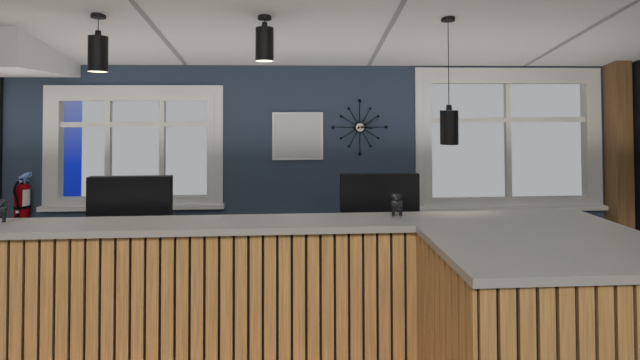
3:11
